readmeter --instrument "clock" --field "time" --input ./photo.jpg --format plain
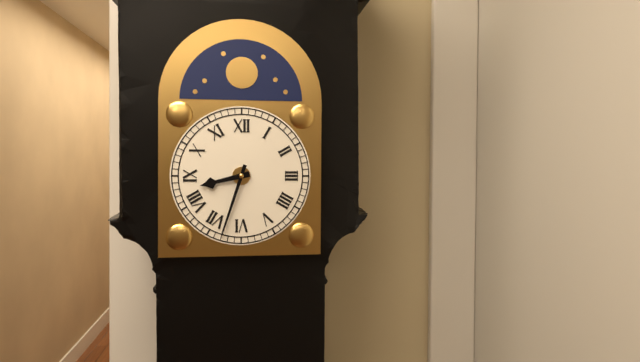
8:33
